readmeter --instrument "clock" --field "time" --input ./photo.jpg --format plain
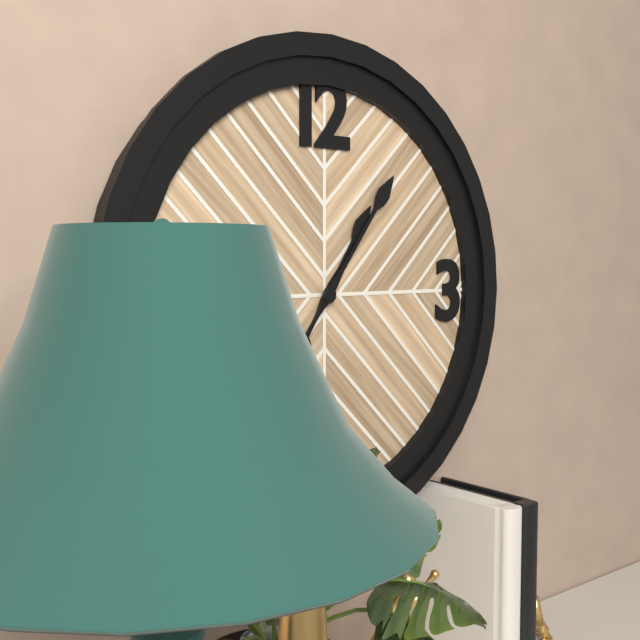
1:06
